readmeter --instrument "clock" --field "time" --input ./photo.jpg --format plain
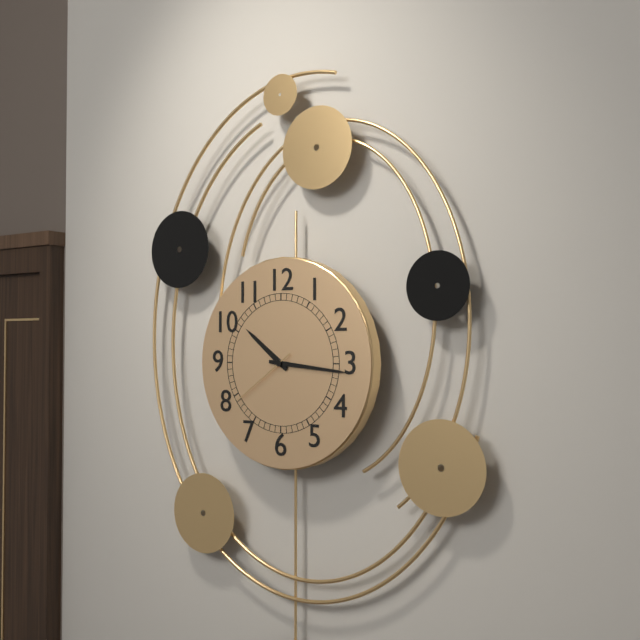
10:16:39
